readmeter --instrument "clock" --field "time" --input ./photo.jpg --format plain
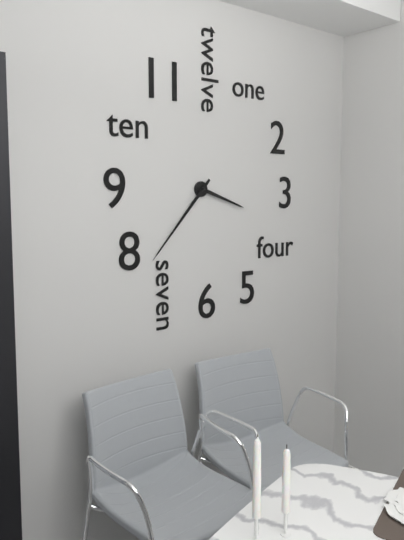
3:37
